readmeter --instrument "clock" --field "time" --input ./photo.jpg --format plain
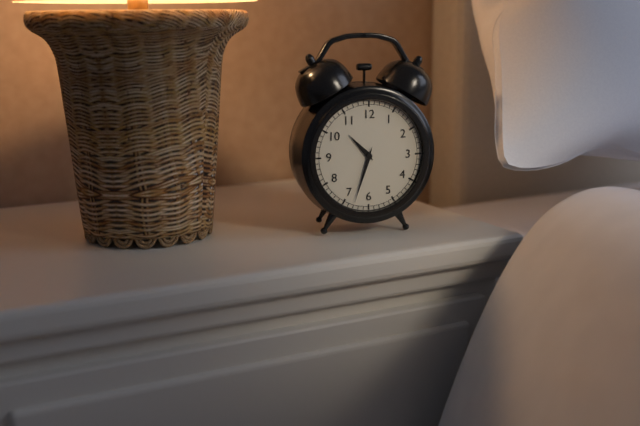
10:33
